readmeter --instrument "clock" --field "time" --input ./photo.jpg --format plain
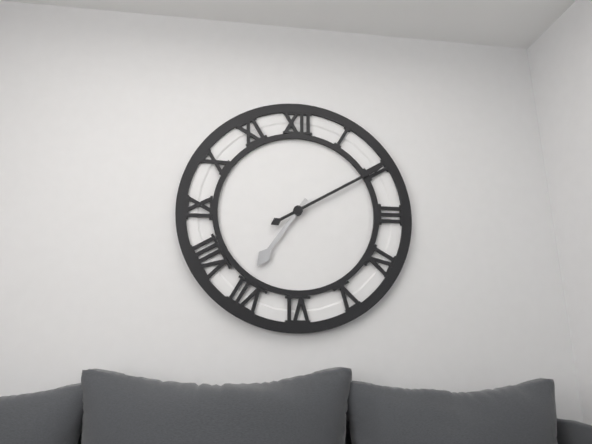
7:10
